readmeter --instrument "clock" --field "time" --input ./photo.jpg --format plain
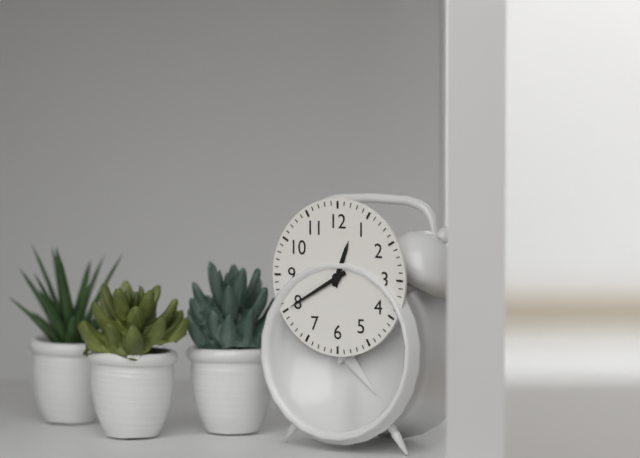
12:40
